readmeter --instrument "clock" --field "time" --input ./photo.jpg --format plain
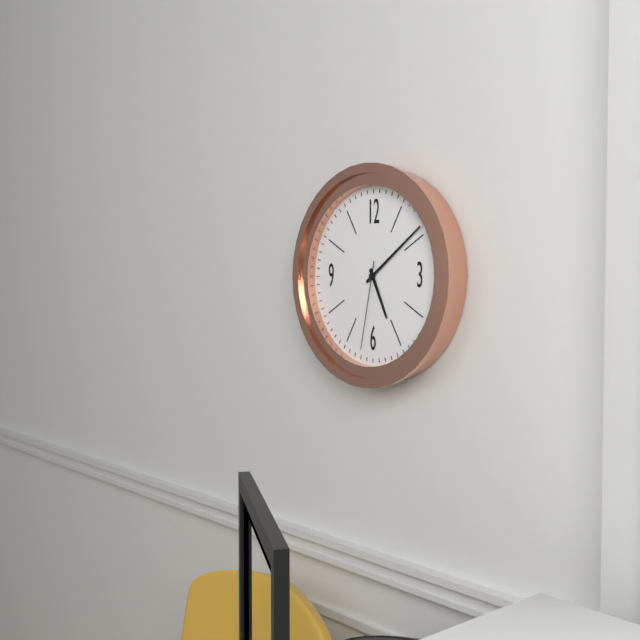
5:09:32
